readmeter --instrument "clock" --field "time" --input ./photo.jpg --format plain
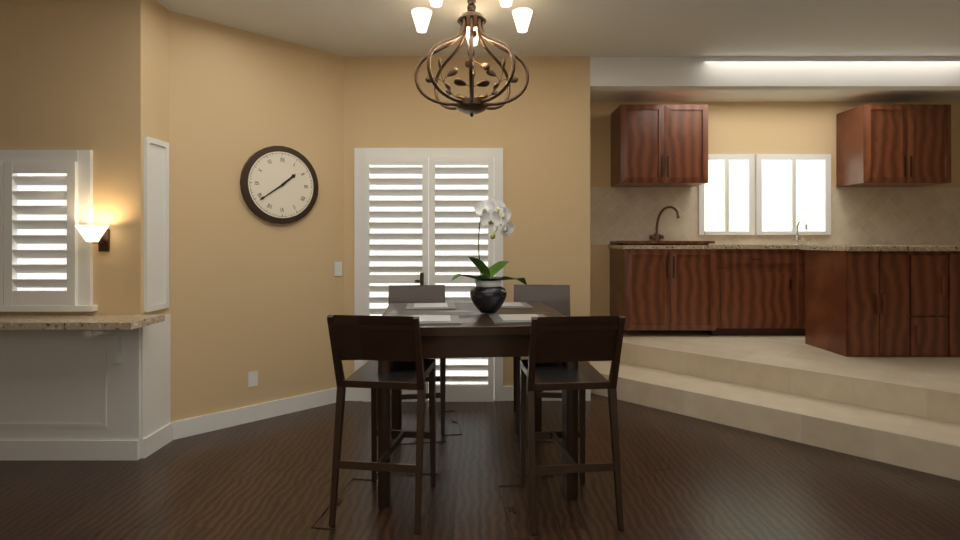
1:39
